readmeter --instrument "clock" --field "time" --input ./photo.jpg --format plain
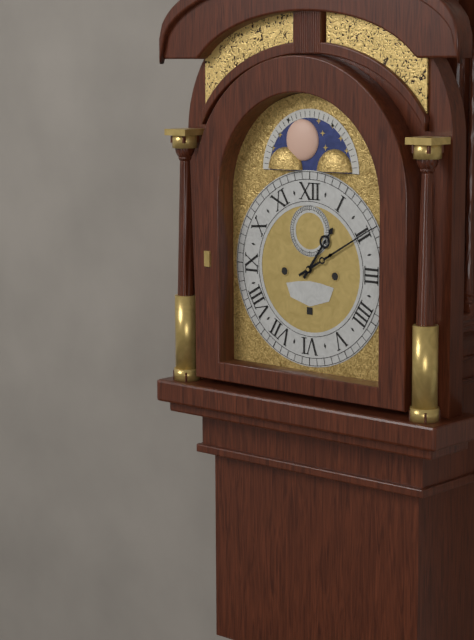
1:10
